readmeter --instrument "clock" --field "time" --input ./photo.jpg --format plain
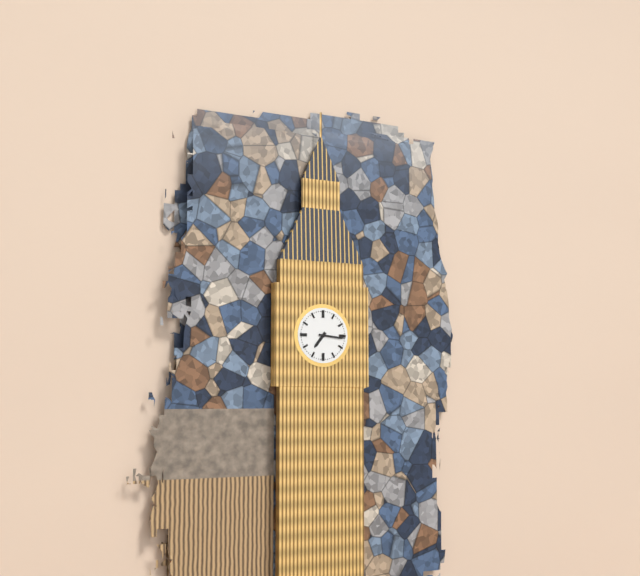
7:16
